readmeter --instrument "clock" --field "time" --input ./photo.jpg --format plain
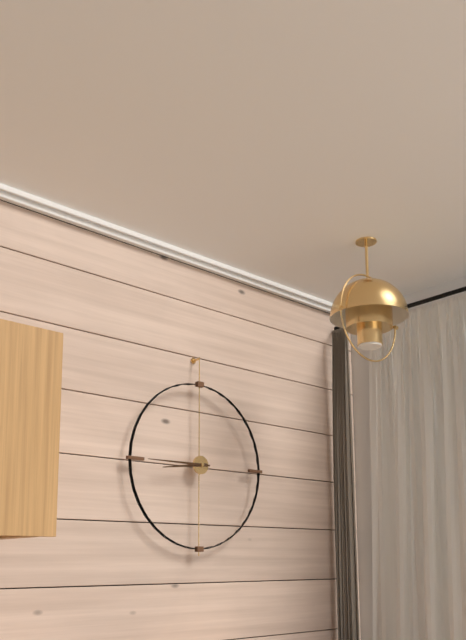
8:45
